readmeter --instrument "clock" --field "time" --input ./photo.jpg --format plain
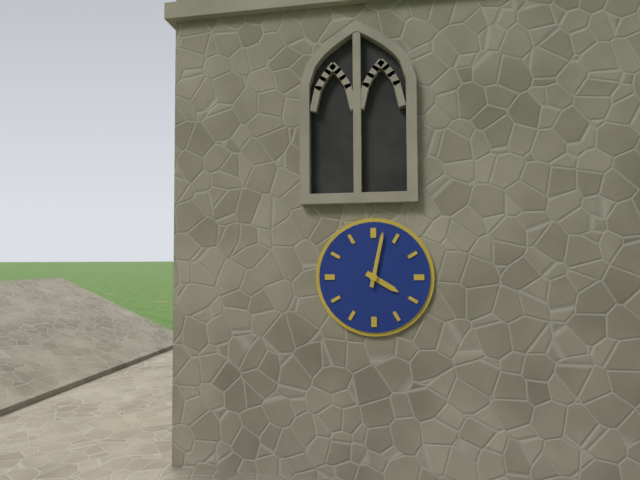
4:02
